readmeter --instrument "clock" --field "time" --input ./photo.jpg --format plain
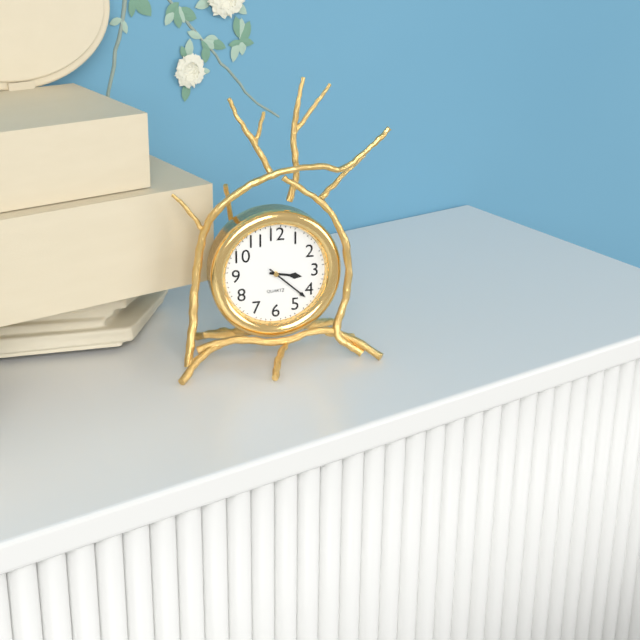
3:22
